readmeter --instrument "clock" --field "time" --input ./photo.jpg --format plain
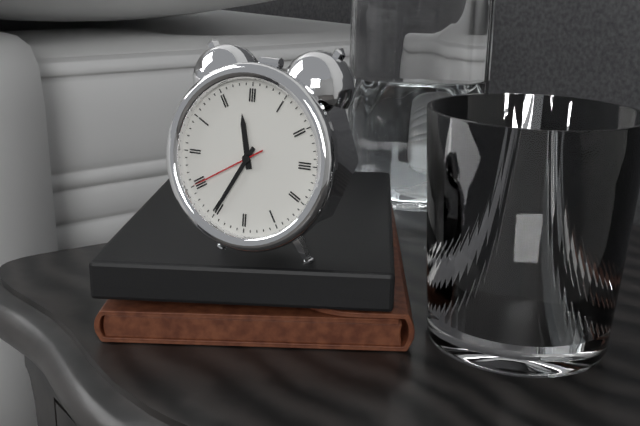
11:35:40
